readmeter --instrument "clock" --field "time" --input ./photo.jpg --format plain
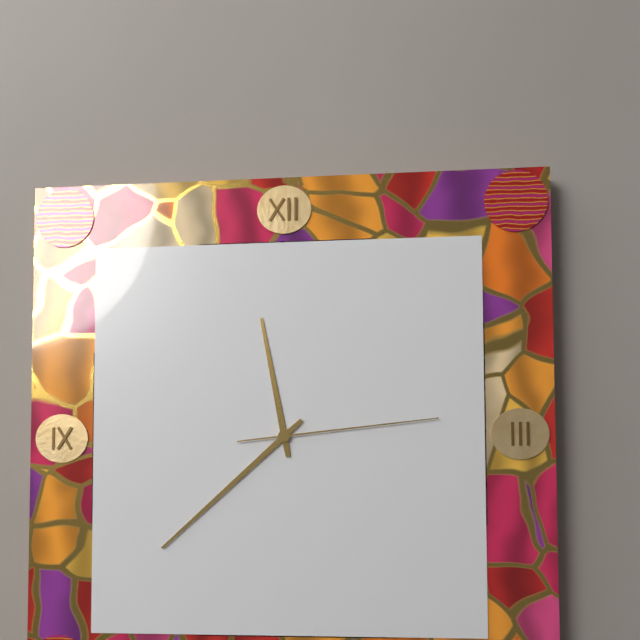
11:38:14
